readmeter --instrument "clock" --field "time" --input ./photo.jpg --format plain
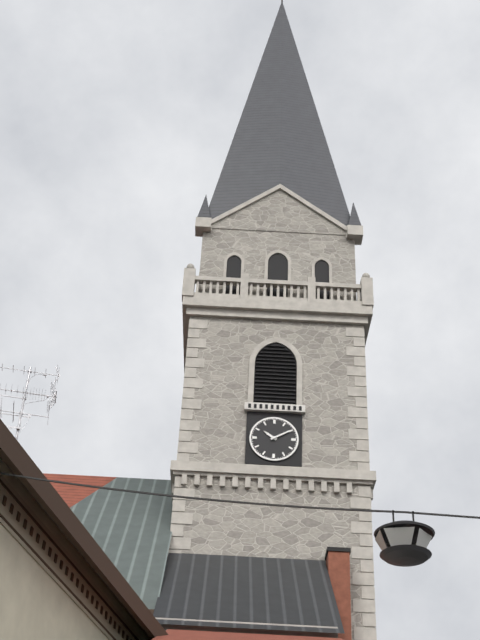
10:10
